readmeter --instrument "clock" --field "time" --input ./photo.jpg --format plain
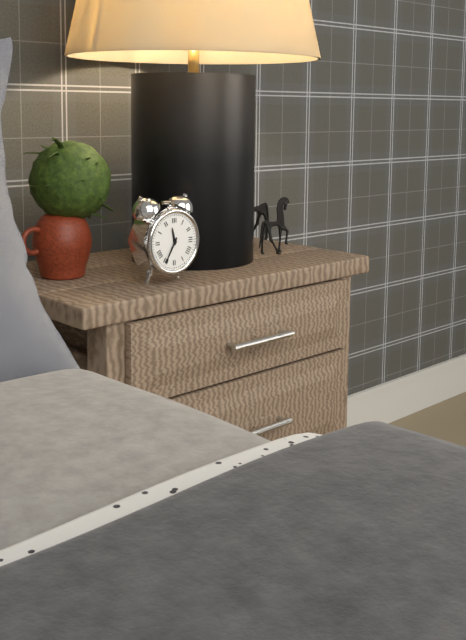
11:35
